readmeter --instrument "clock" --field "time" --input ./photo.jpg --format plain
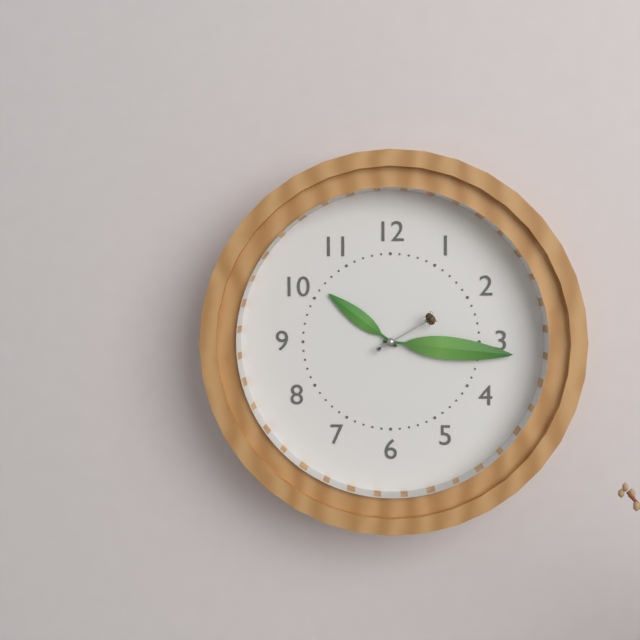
10:16:10
